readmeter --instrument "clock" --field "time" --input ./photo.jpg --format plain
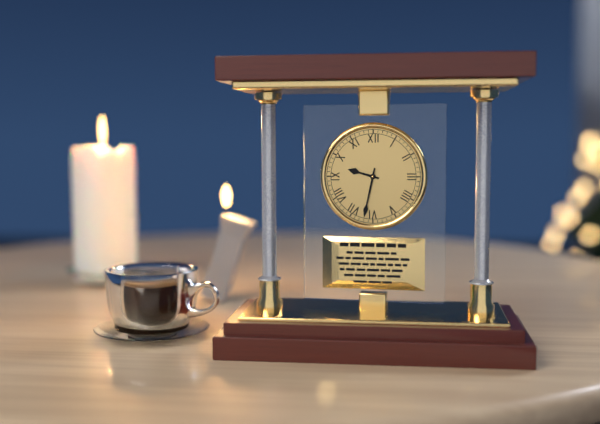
9:32
